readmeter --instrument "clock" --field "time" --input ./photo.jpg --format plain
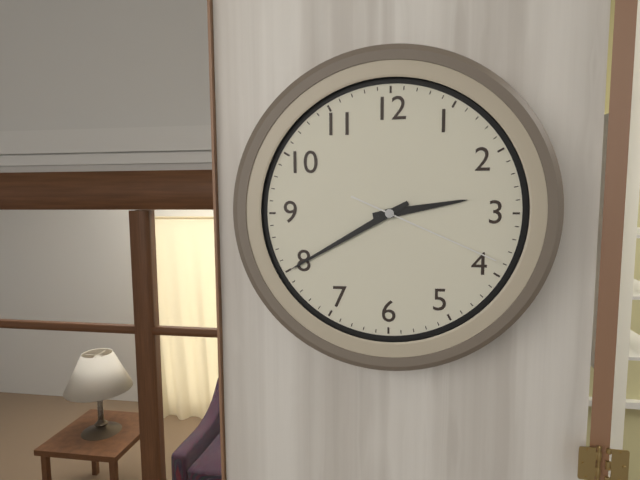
2:40:19
